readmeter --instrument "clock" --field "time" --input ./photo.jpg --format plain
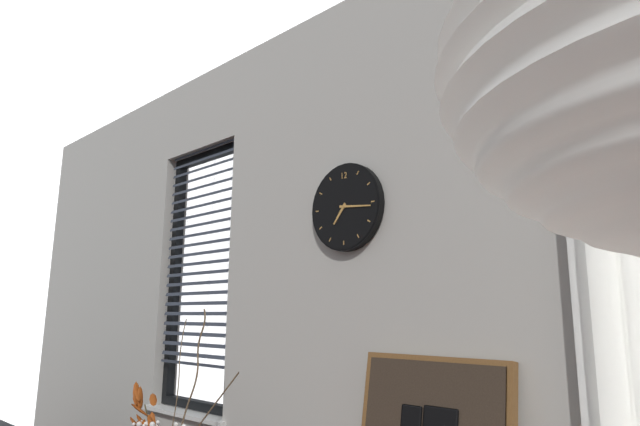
7:16
